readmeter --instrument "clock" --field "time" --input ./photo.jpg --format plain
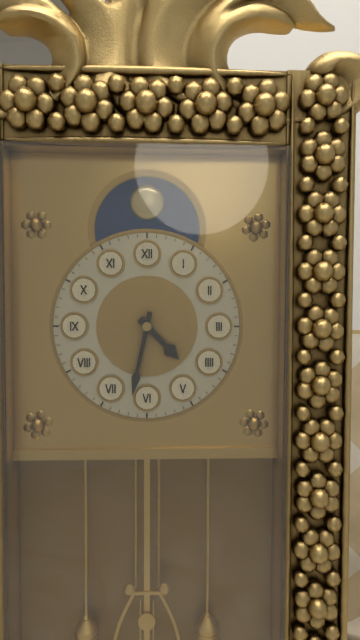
4:32
